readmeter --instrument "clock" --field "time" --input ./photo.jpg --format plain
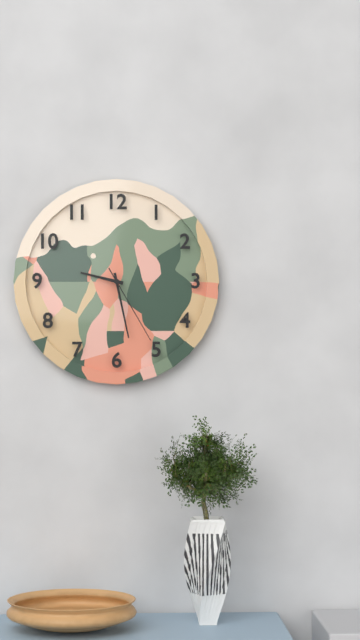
9:28:25
